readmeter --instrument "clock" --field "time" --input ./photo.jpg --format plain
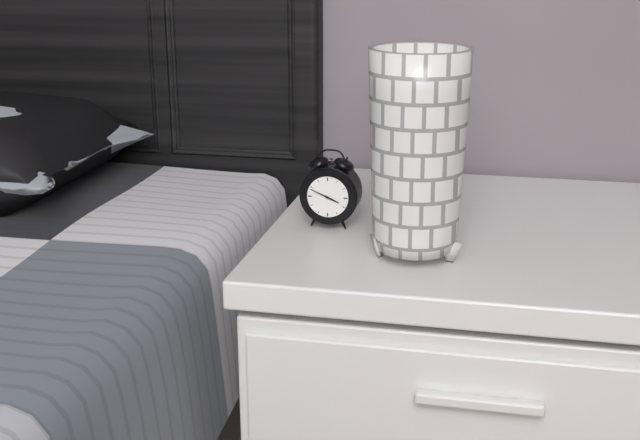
3:49
